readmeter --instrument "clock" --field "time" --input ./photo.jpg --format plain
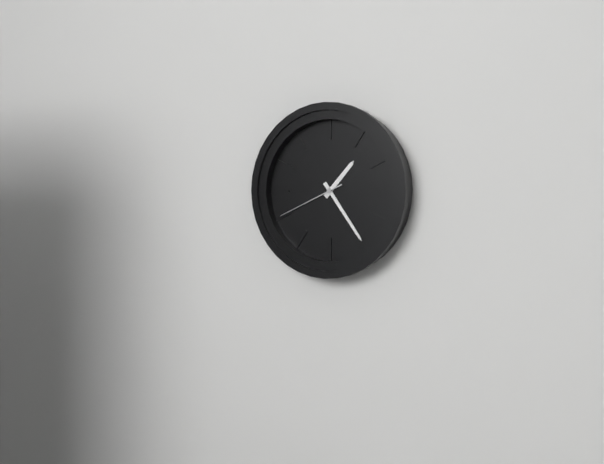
1:24:41
